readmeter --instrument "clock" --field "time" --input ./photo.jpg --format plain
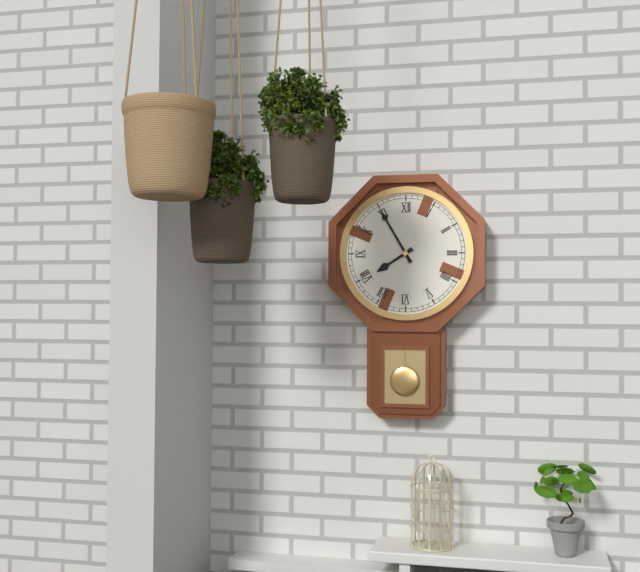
7:55
